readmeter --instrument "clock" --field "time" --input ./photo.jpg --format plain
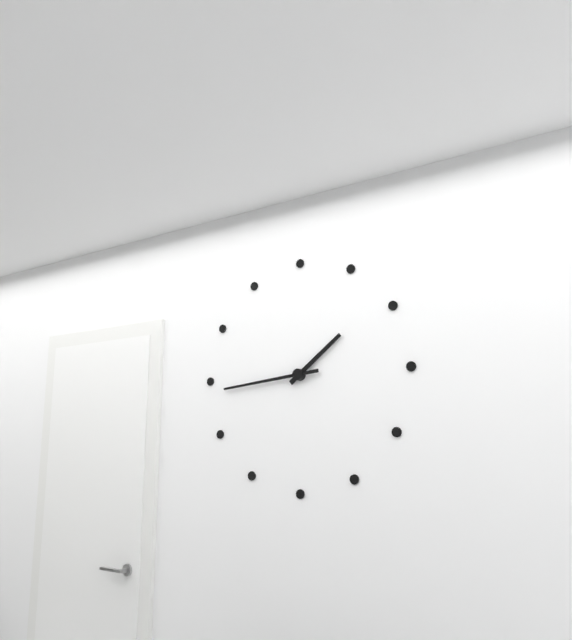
1:44
